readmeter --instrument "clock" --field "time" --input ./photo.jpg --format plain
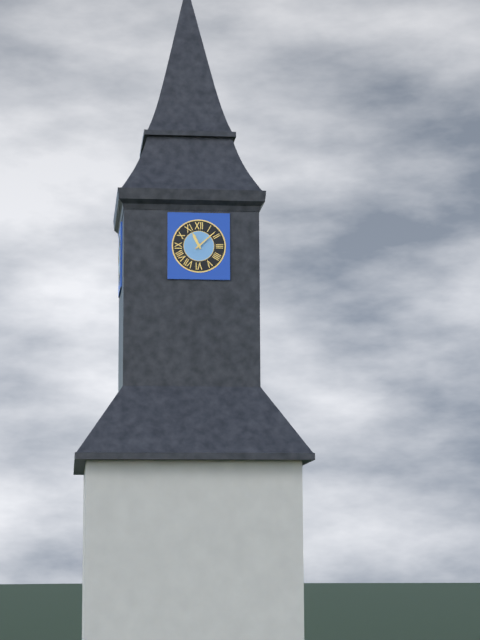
11:08
